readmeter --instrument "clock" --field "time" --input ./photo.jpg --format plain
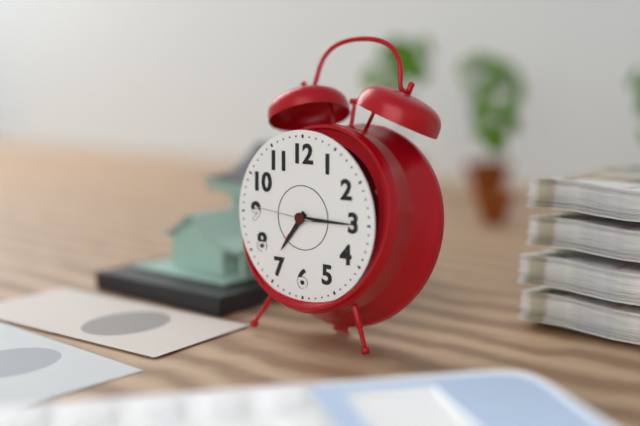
7:15:46
